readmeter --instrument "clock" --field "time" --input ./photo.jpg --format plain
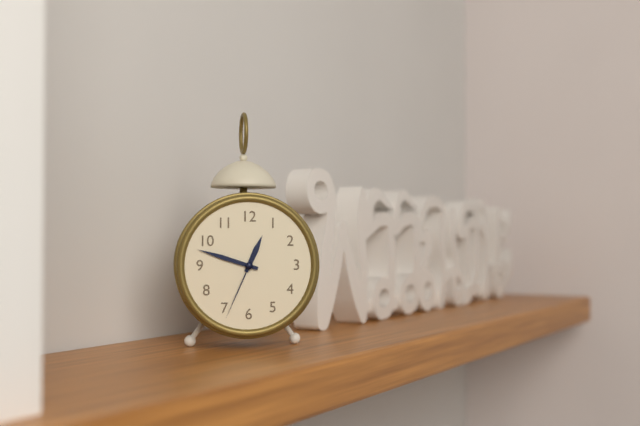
12:48:34
